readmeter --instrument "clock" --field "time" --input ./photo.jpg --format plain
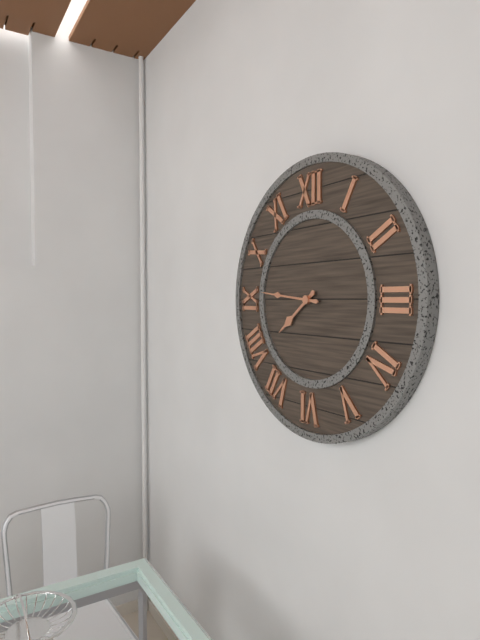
7:46
